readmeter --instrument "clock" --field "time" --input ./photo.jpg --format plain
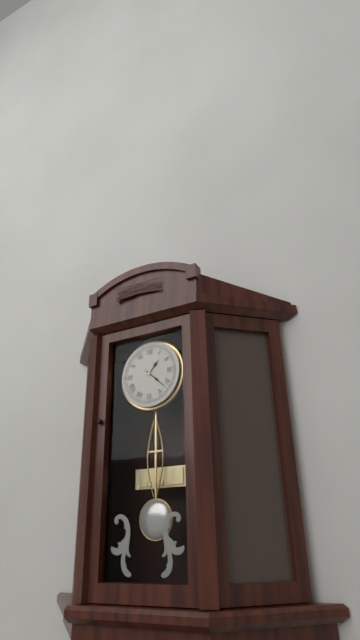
1:22
